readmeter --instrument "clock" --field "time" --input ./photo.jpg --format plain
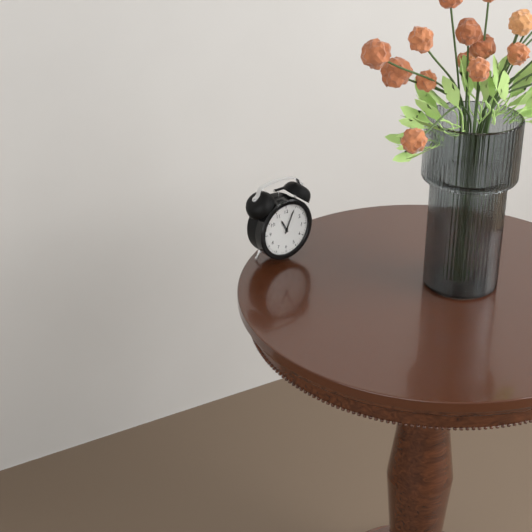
11:04
